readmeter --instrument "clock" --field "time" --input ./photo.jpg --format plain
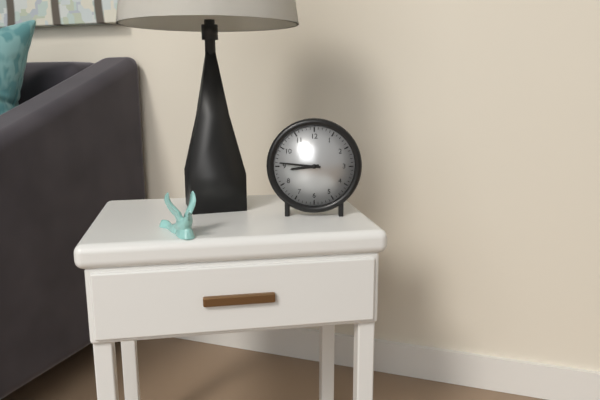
8:46
